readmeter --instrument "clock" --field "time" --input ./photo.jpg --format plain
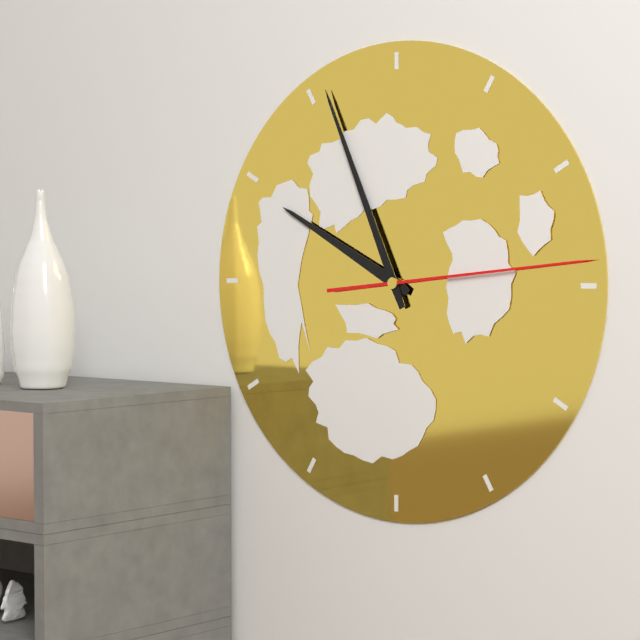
9:56:14
